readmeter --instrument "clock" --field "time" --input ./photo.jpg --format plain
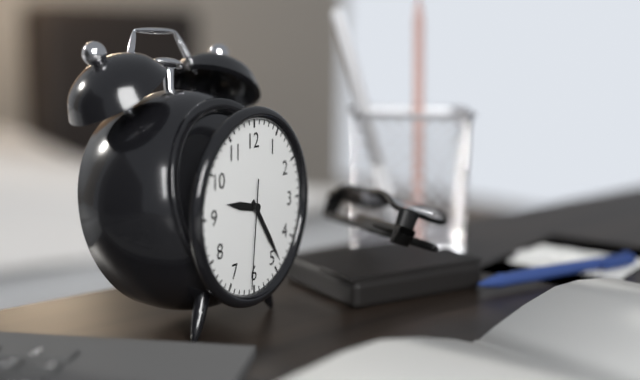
9:24:31
